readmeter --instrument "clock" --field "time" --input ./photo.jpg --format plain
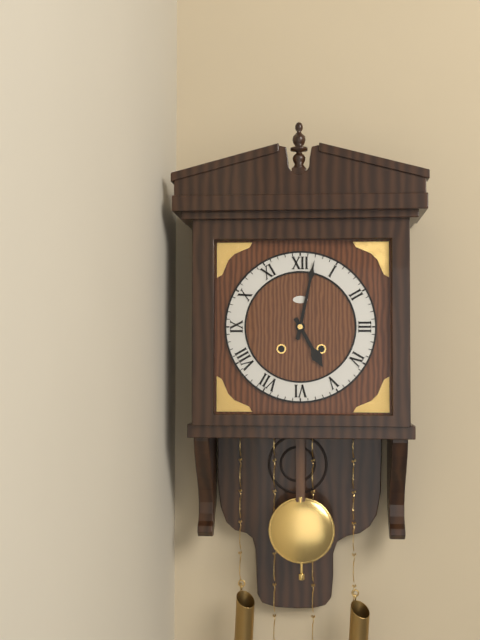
5:02
